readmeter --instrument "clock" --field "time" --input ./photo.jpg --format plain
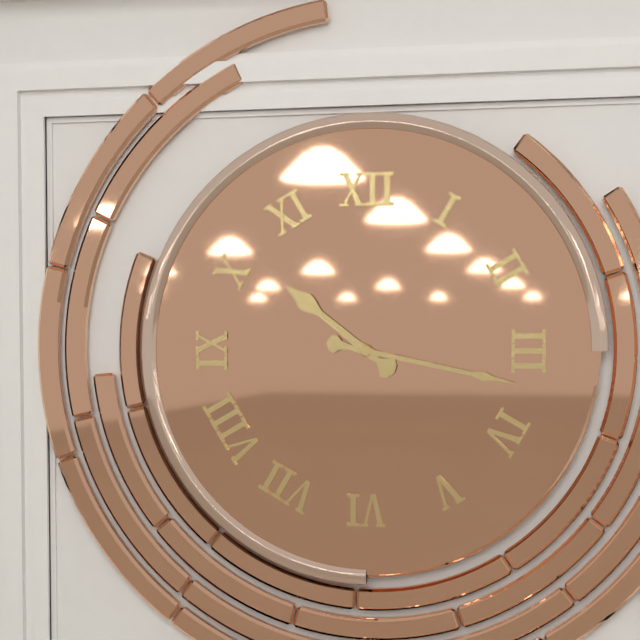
10:17
